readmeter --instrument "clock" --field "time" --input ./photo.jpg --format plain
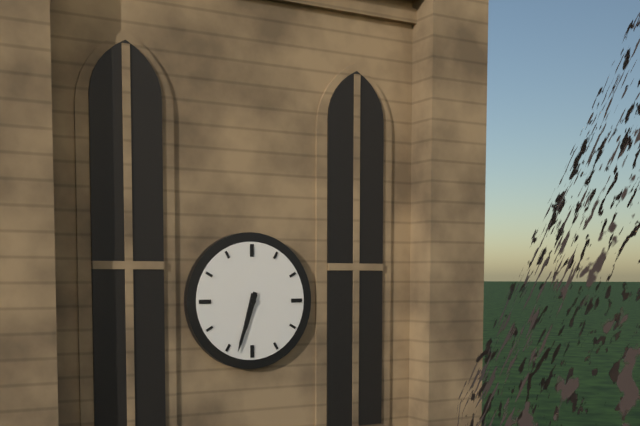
6:33
